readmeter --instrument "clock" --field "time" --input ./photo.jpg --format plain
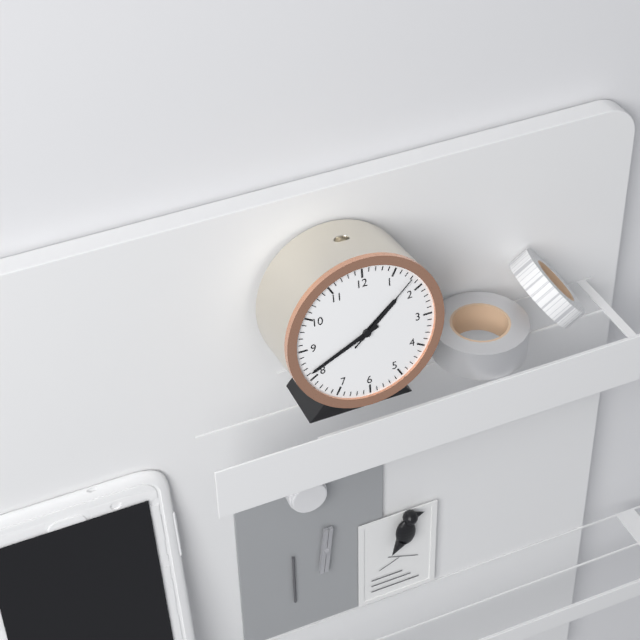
1:41:08
